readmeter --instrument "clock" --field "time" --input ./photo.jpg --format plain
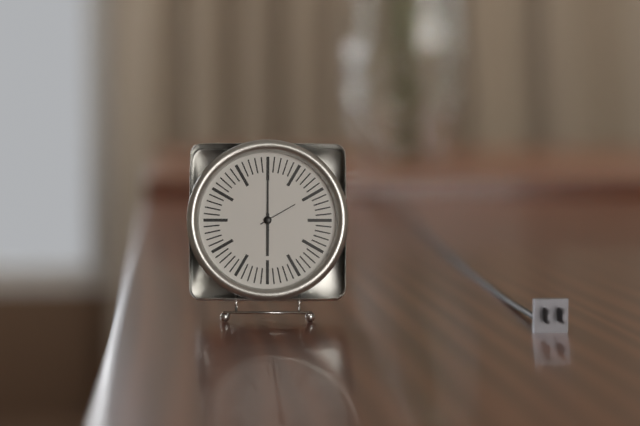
6:00
